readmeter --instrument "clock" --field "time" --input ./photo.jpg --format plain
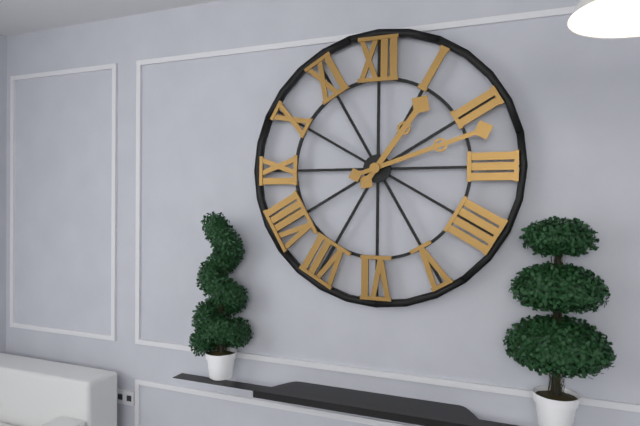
1:12
